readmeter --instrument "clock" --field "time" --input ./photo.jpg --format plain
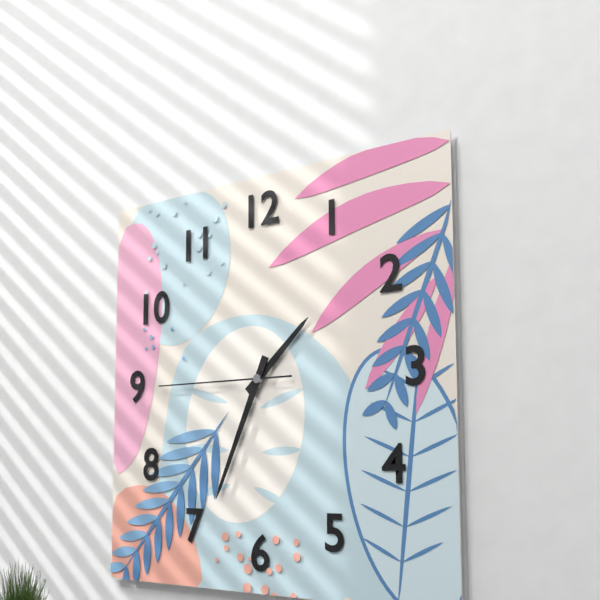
1:34:45
